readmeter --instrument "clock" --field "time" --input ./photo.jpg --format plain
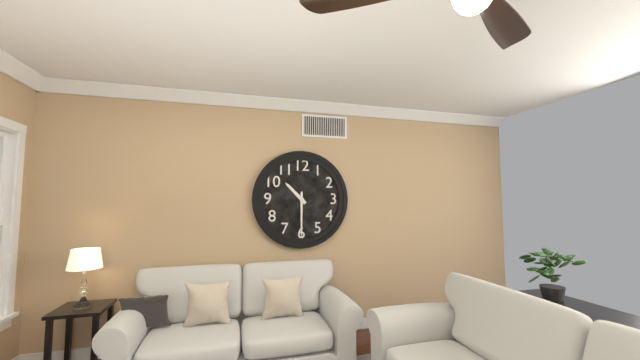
10:30
